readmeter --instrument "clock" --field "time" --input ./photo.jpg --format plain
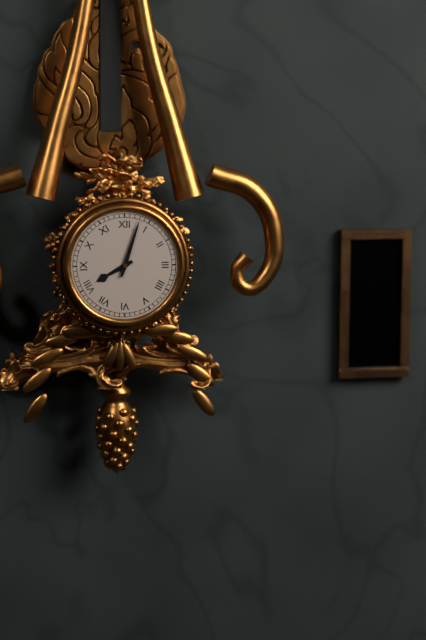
8:03
